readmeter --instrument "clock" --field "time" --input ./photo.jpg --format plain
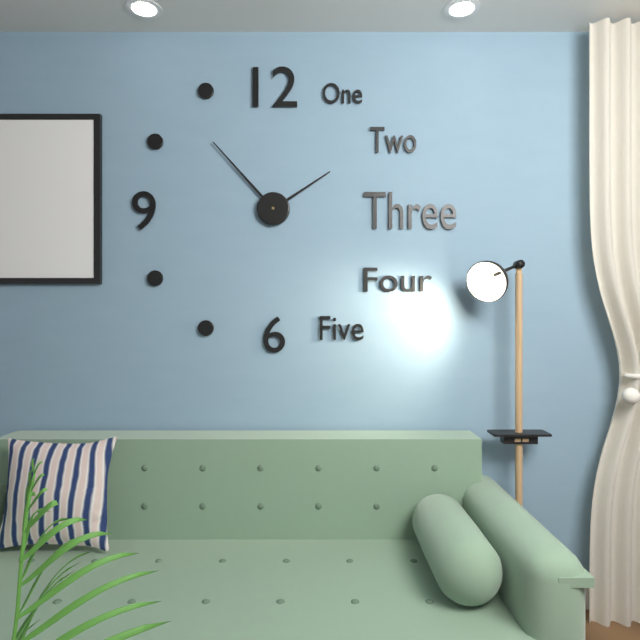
1:53
